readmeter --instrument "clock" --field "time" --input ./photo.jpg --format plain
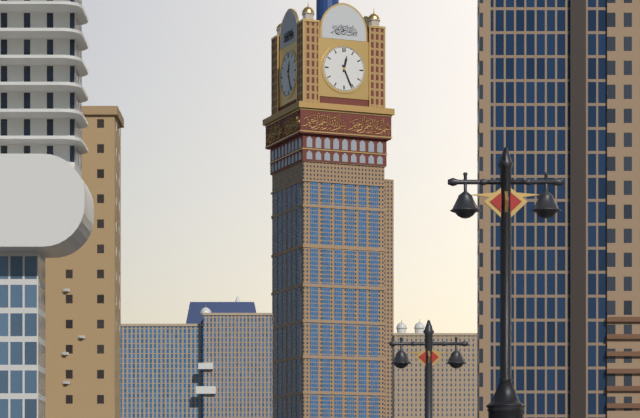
12:26
